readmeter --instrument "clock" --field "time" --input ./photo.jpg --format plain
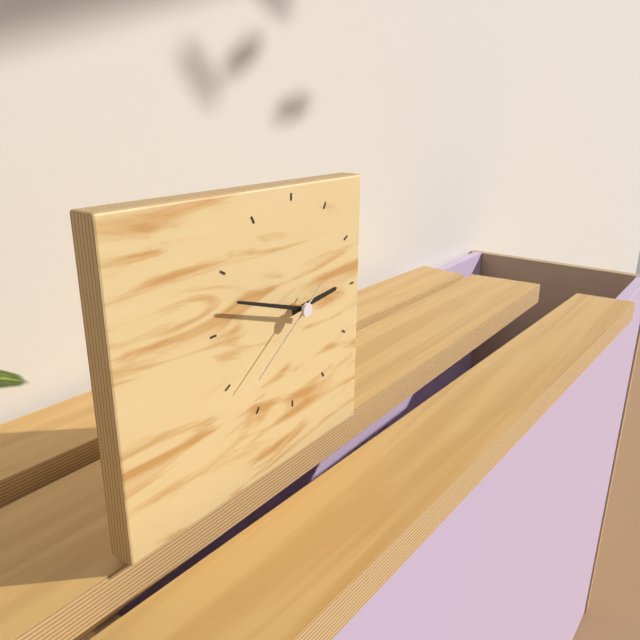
2:48:39
